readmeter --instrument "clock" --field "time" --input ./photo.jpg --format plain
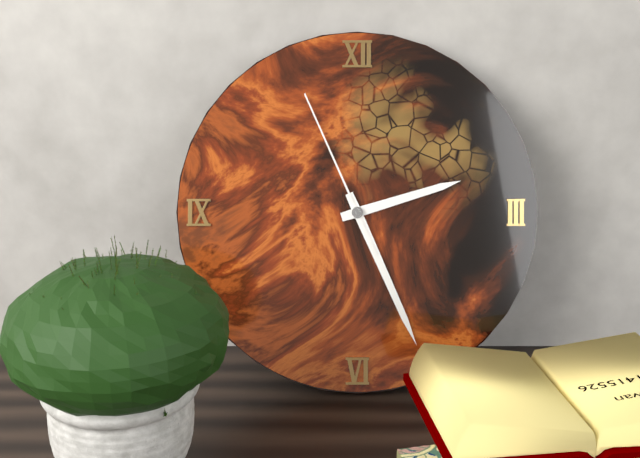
2:26:56
